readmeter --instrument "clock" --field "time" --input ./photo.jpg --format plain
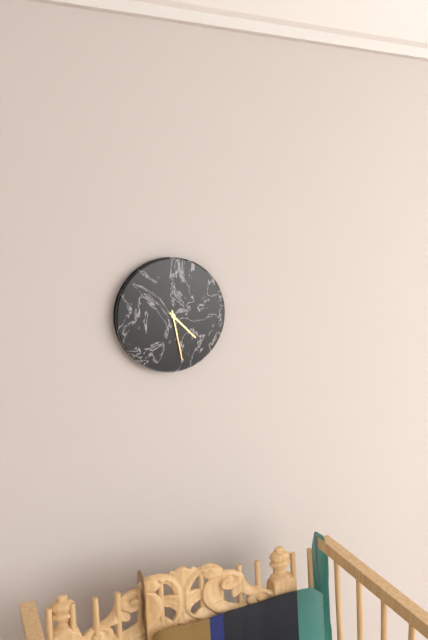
4:28
